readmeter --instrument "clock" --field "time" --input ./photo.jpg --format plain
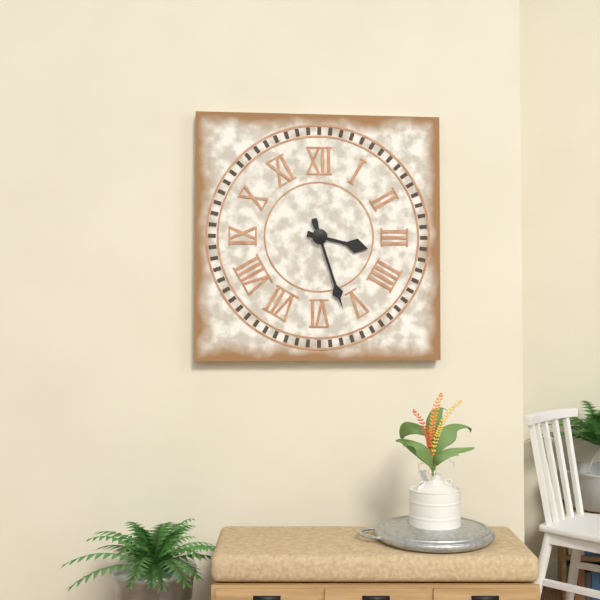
3:27
